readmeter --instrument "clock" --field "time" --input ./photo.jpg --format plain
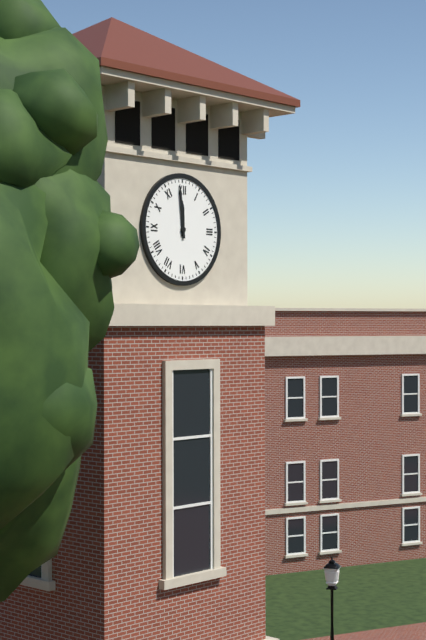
11:59
